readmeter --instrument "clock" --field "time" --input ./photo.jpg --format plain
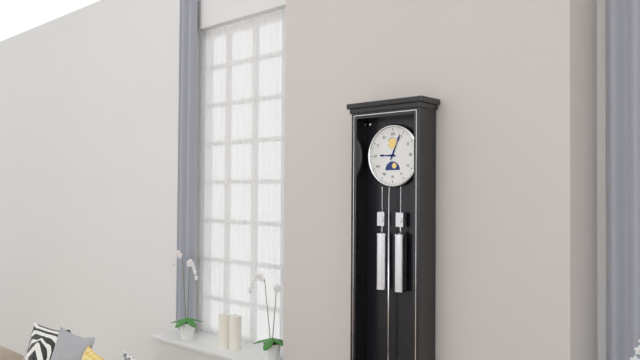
9:04
